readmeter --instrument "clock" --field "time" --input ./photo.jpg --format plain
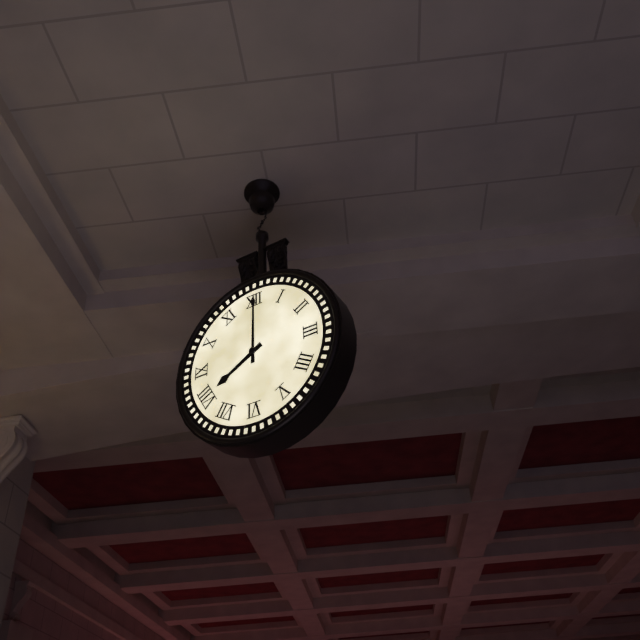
8:00
